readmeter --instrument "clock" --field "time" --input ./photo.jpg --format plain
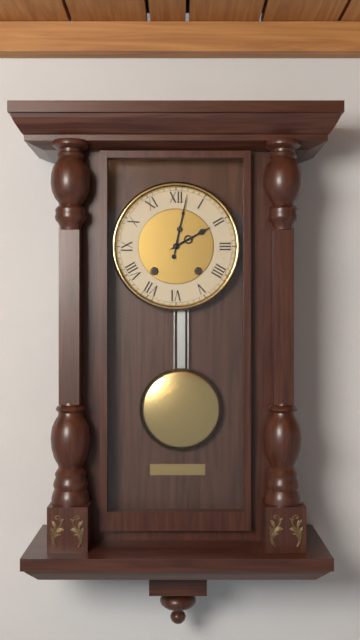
2:02
